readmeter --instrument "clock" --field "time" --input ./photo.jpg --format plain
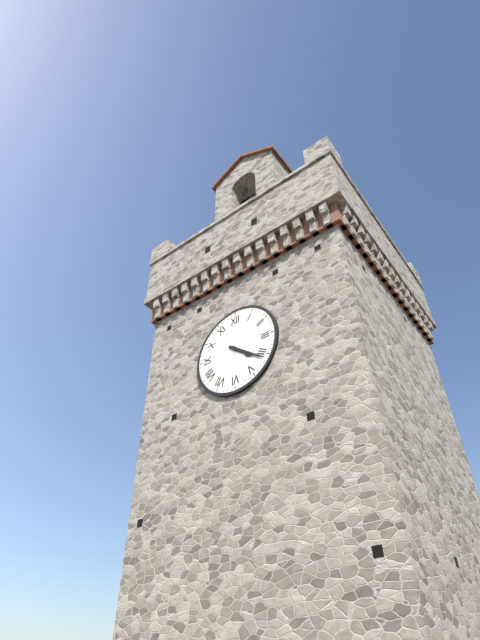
4:21
